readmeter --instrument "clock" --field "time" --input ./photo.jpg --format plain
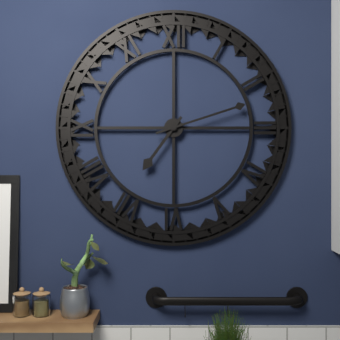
7:12
